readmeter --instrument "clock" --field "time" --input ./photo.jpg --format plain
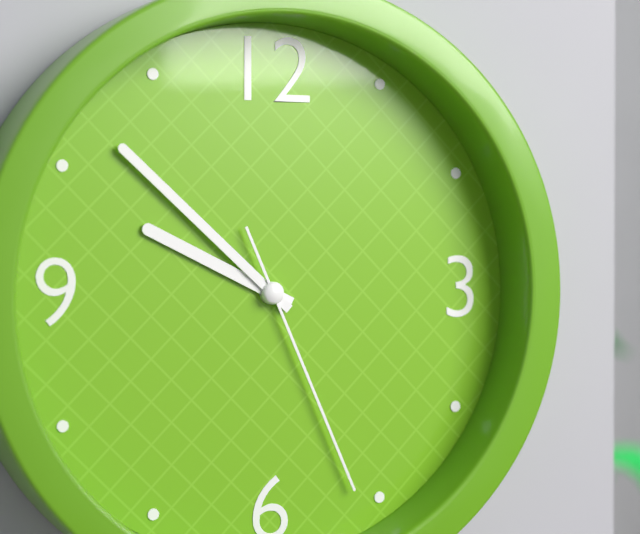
9:52:26
